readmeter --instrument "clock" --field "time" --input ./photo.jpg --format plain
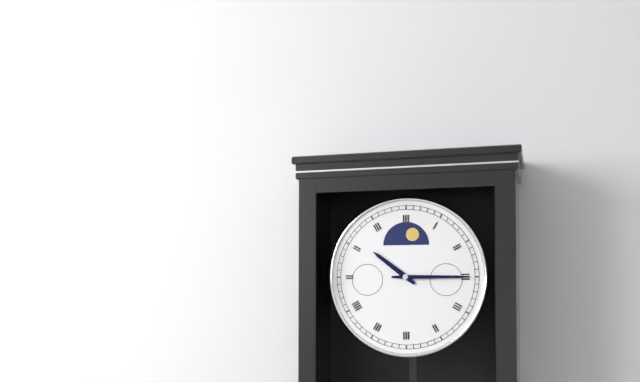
10:15
